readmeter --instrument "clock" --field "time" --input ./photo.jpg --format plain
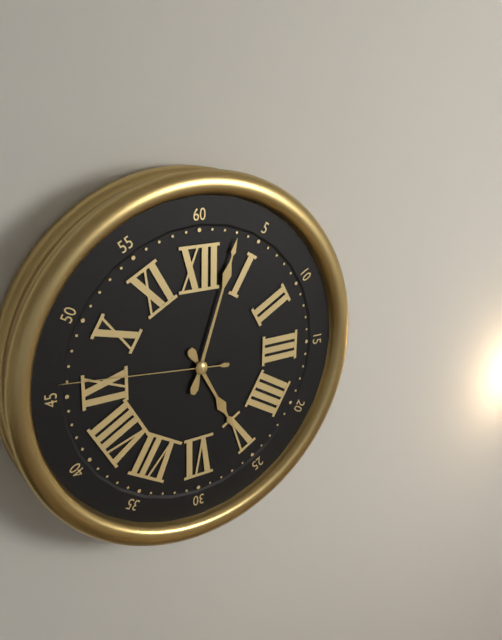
5:03:46
